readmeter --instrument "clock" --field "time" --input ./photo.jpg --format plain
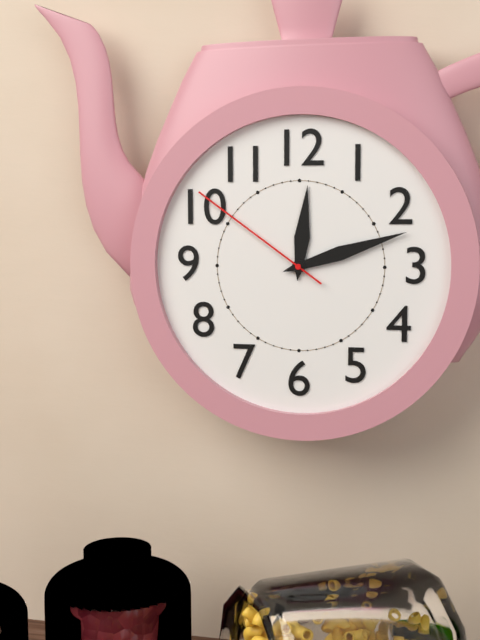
12:12:51
